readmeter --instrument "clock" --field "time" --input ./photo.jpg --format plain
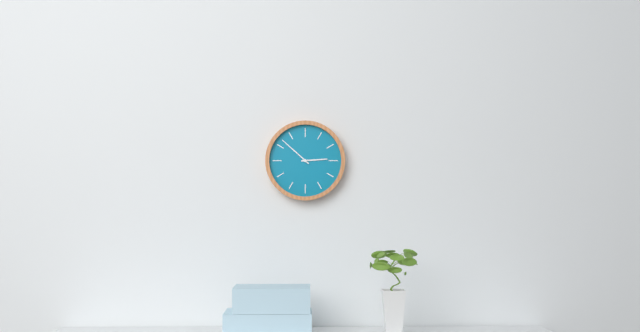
2:52
